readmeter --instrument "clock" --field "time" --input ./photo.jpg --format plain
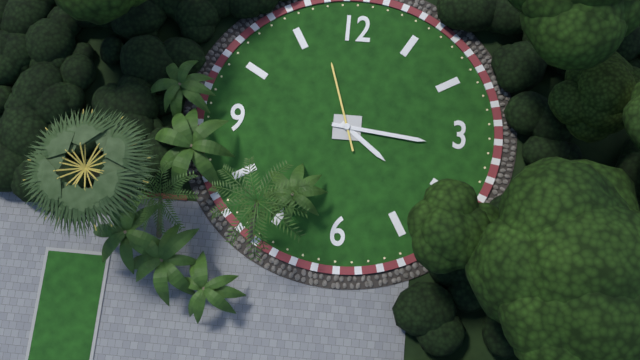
4:16:57
